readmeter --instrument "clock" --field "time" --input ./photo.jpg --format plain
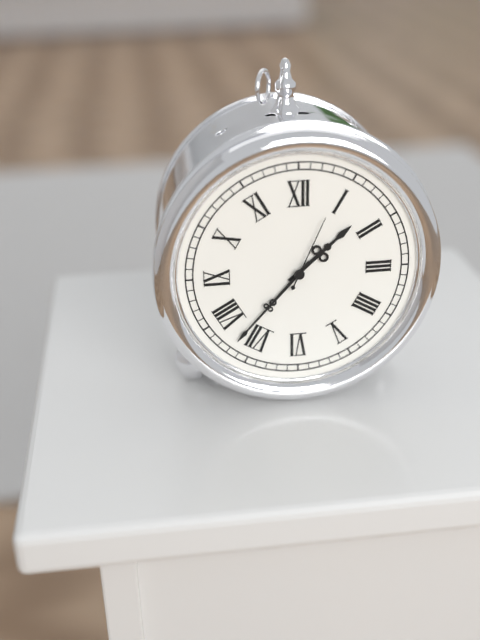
1:37:04
